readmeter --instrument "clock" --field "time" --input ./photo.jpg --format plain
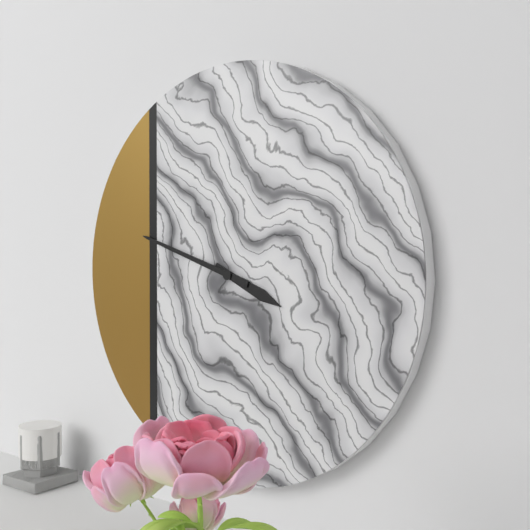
3:48
